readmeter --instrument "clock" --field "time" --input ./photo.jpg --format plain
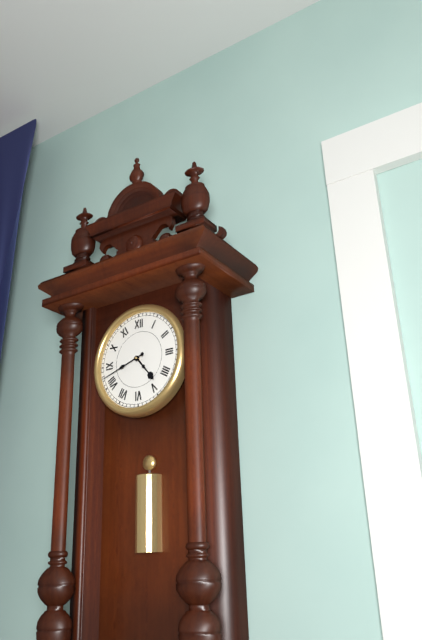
4:42
